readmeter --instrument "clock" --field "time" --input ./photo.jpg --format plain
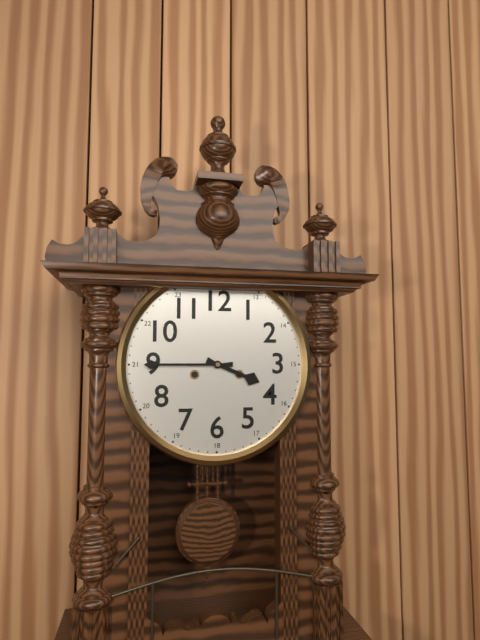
3:45
